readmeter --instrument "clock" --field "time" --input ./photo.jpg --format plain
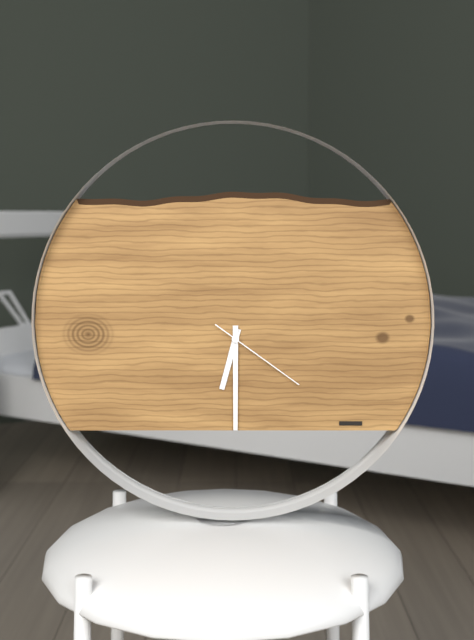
6:30:21
